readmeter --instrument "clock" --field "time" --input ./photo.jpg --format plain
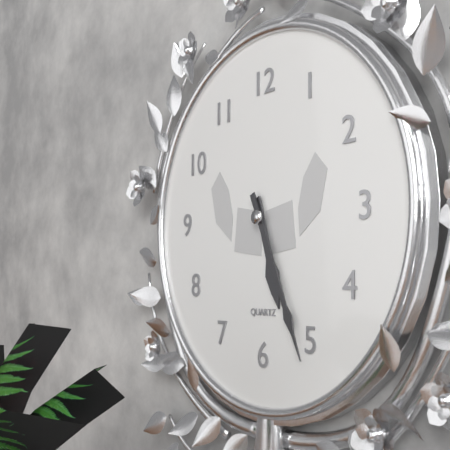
5:26
